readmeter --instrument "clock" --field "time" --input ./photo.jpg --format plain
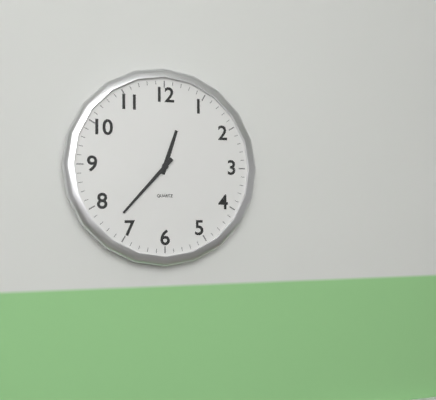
12:37
